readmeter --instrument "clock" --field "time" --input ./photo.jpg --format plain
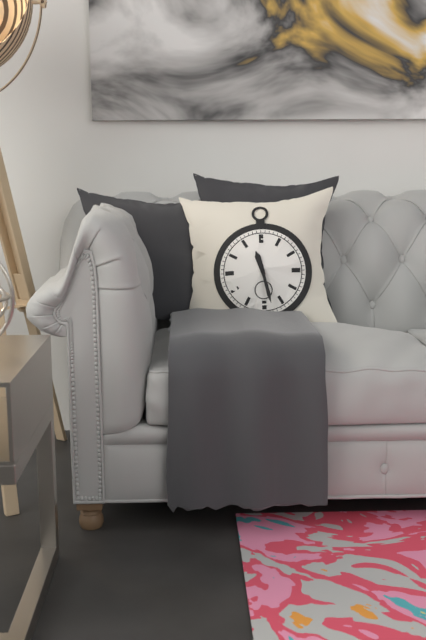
11:28
